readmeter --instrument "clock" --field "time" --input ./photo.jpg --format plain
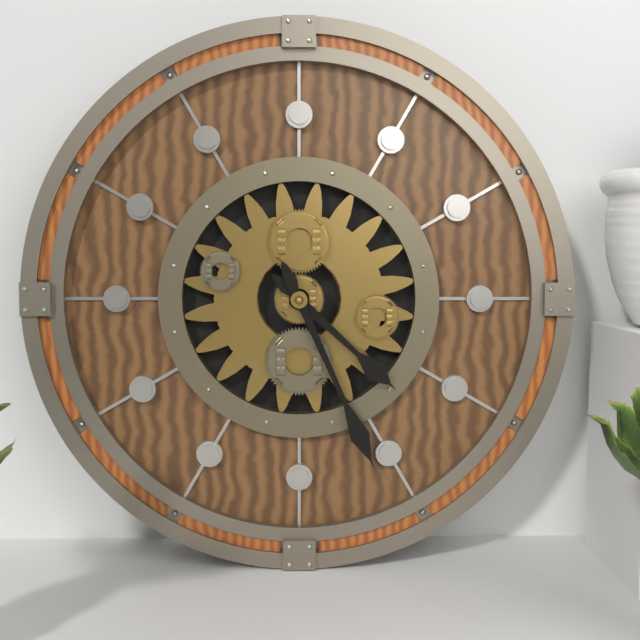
4:26
